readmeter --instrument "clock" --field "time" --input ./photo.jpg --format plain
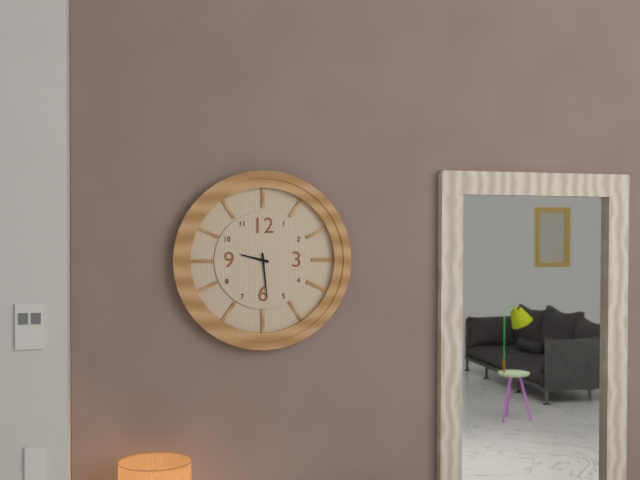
9:29
